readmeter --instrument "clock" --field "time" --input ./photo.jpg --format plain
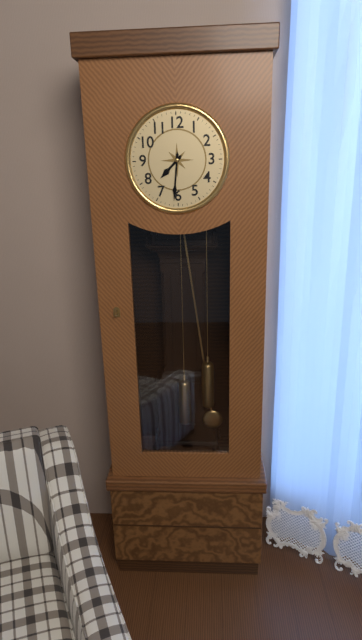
7:31
